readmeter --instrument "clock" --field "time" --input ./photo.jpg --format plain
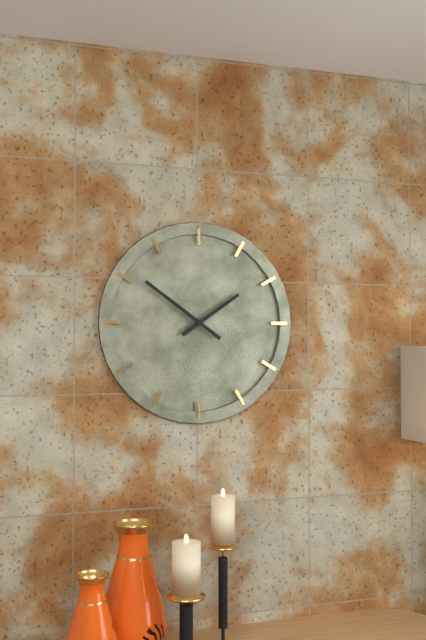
1:51
